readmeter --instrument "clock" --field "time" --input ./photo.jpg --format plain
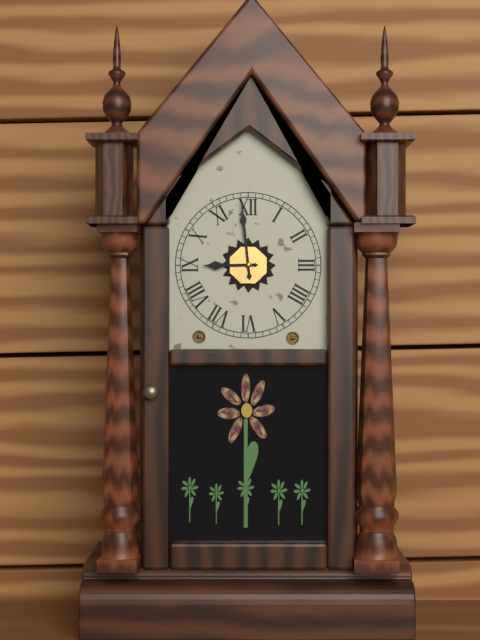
8:59
